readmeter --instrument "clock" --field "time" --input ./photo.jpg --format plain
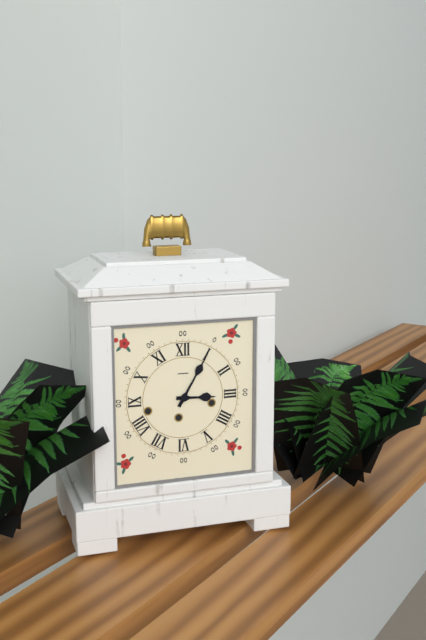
3:05
